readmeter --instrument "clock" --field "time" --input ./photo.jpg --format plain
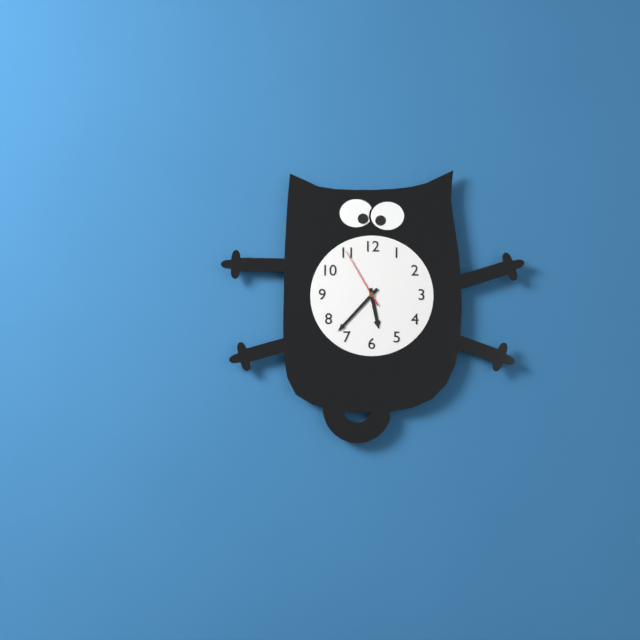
5:37:55
